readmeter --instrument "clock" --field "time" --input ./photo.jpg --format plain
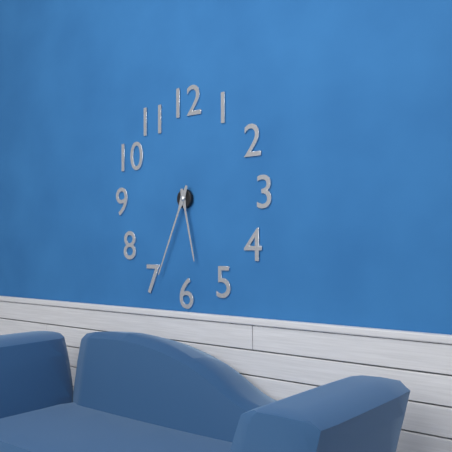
5:34
